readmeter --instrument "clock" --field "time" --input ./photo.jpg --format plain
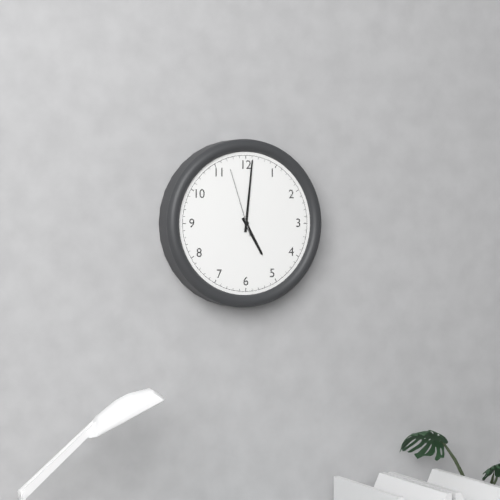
5:01:57
